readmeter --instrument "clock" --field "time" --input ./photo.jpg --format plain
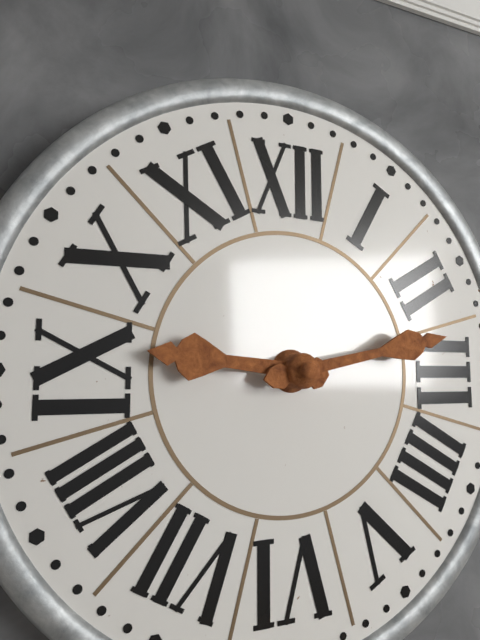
9:13
